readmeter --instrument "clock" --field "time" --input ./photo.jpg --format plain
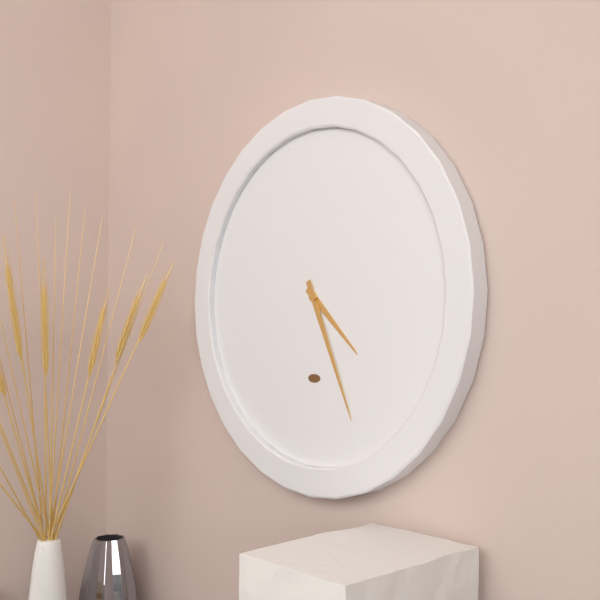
4:26
